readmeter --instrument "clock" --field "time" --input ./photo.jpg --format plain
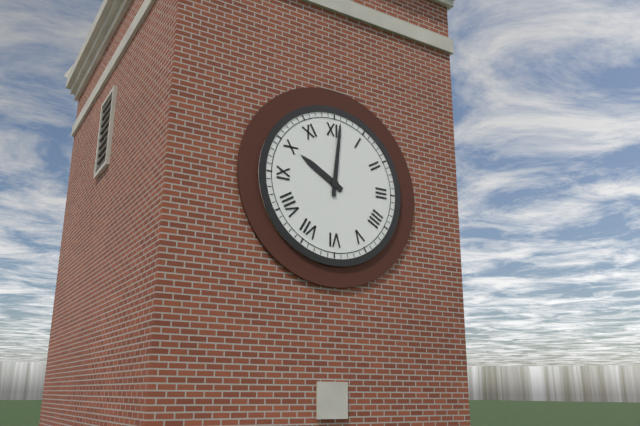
10:01
